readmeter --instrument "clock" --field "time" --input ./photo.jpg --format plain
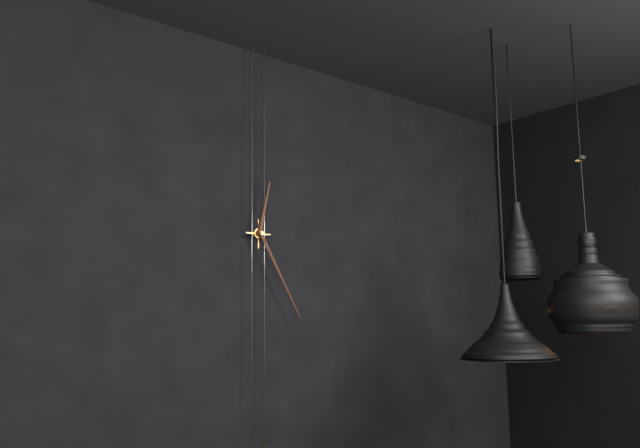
12:25
